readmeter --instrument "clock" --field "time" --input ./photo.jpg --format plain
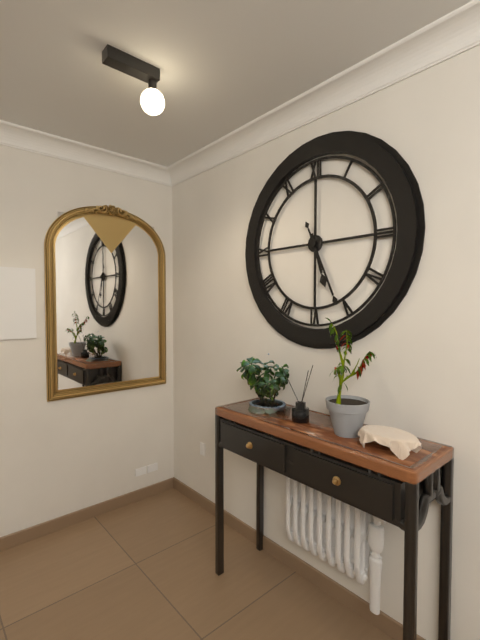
5:26
